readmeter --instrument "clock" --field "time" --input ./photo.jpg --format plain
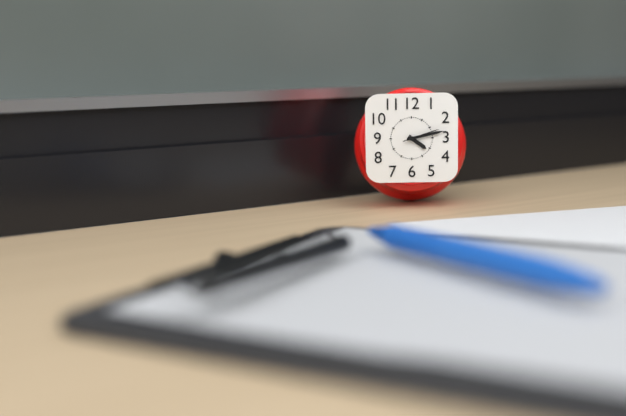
4:13
